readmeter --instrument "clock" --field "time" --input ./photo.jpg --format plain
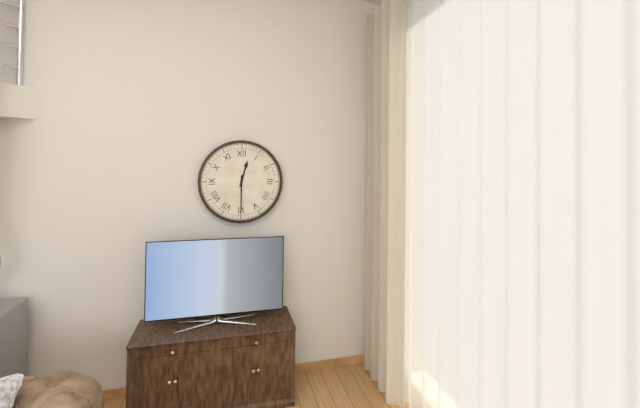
12:30
